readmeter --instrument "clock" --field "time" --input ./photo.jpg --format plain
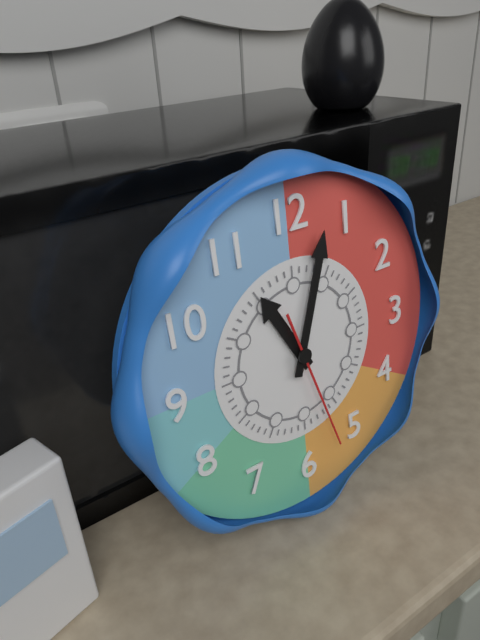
11:03:27
